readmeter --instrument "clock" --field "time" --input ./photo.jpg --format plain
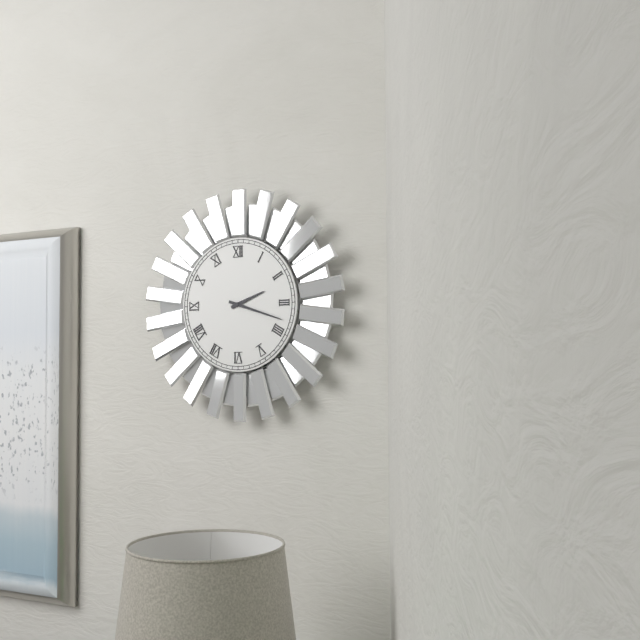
2:18
